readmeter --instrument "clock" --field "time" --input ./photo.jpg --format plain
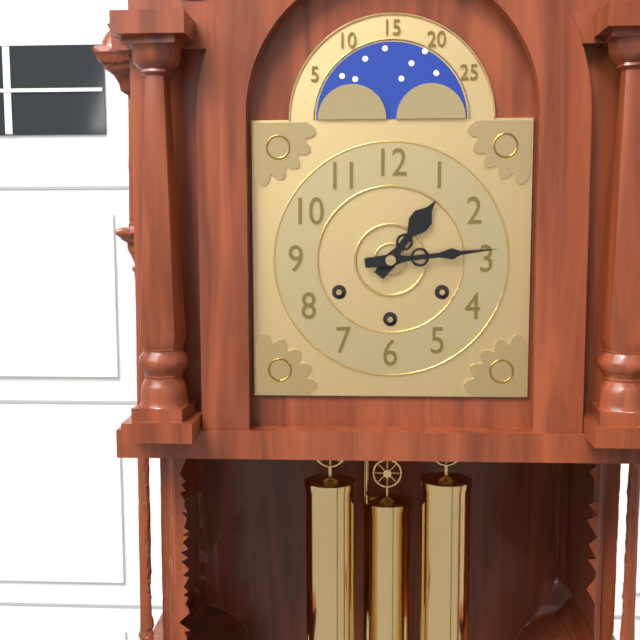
1:14
